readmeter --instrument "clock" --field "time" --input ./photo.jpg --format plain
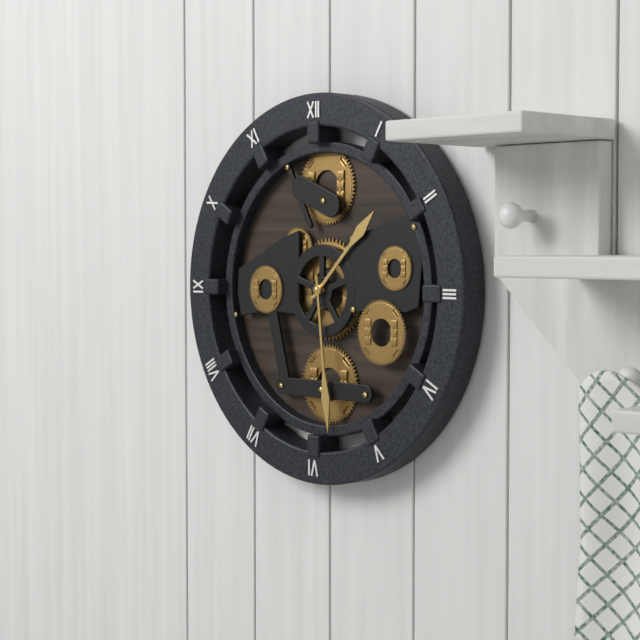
1:29
